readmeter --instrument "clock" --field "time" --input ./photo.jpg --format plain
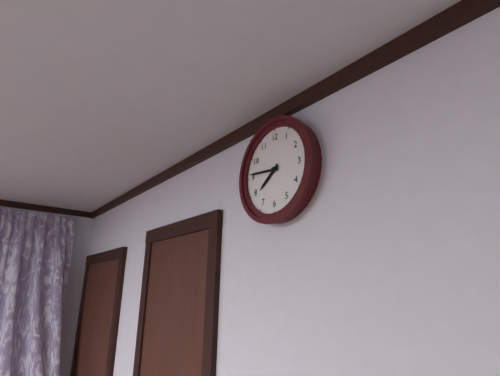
7:46
